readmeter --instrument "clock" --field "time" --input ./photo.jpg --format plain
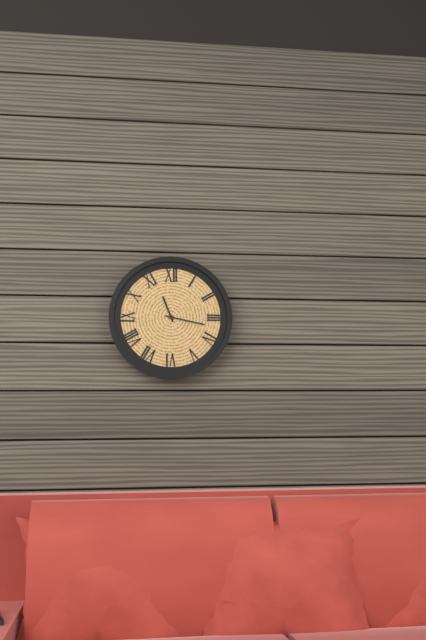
11:17
